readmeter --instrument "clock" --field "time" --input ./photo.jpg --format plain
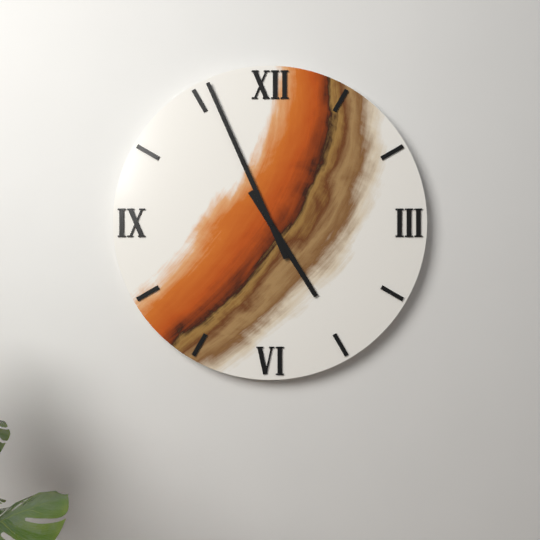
4:56
